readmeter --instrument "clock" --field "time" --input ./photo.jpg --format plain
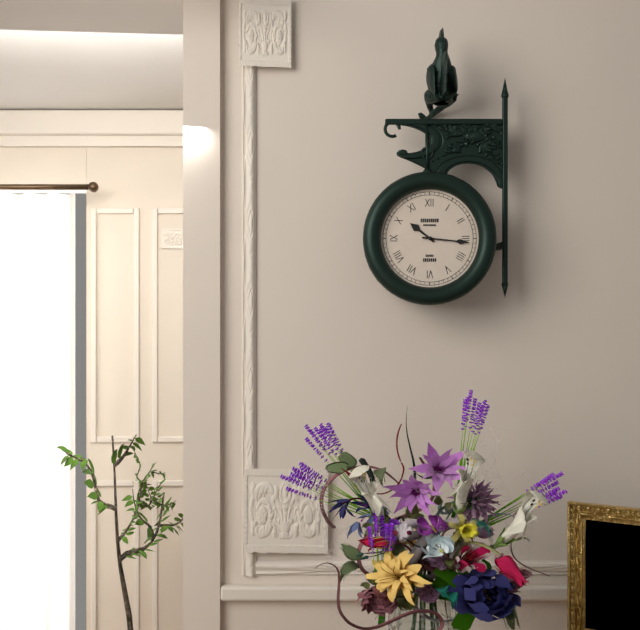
10:16
